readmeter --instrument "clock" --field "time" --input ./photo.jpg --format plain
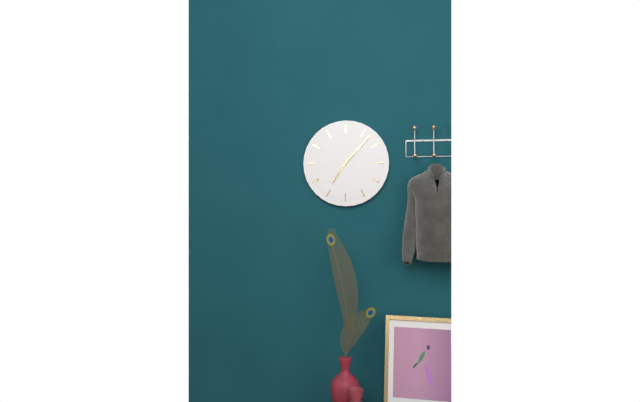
7:07
